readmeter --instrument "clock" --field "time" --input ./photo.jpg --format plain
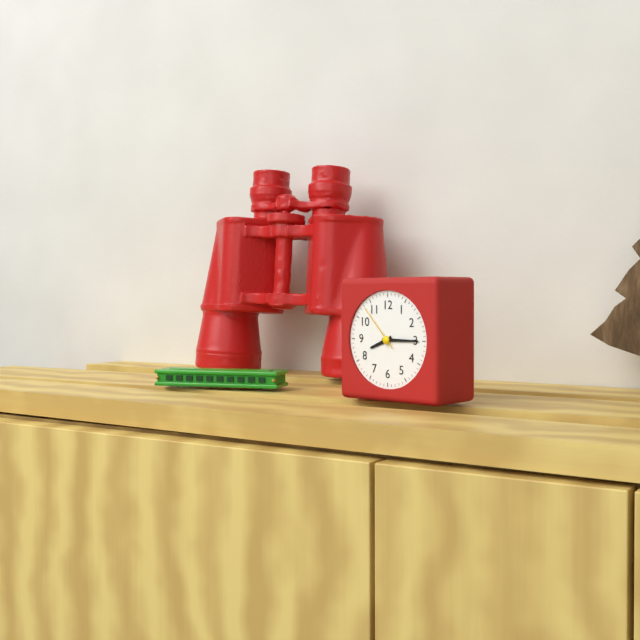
8:15
